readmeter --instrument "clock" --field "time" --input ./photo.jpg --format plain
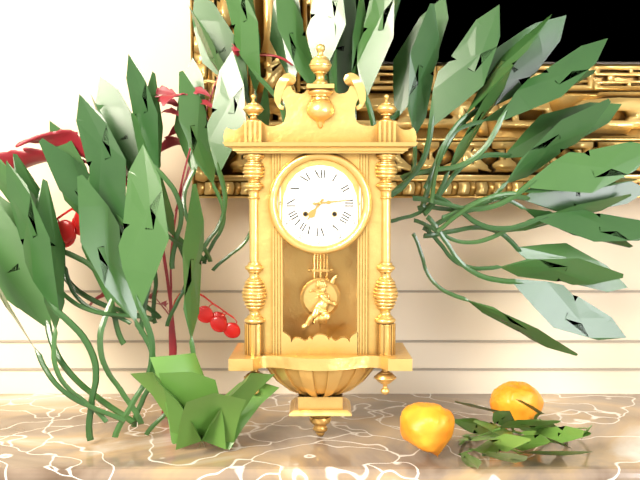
7:14
